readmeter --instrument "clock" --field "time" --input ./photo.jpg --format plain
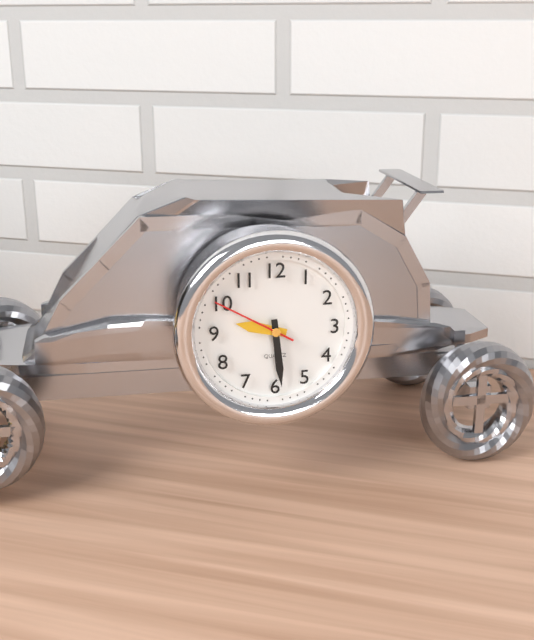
9:29:50
